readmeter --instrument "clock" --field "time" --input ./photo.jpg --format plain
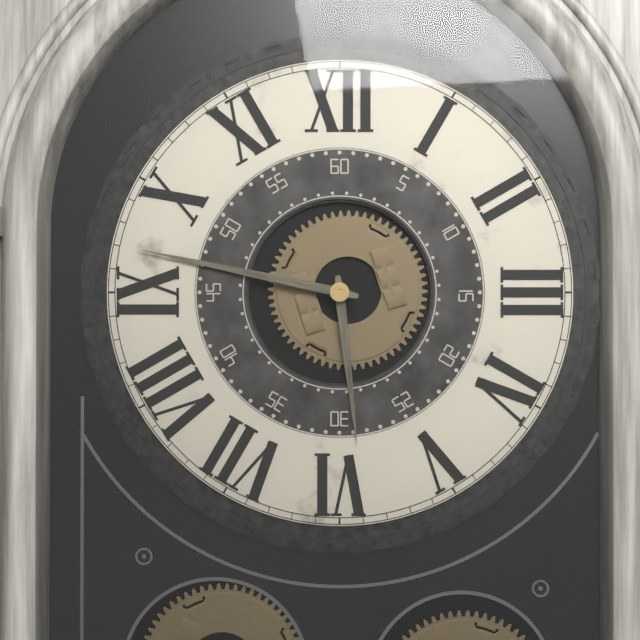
5:47
